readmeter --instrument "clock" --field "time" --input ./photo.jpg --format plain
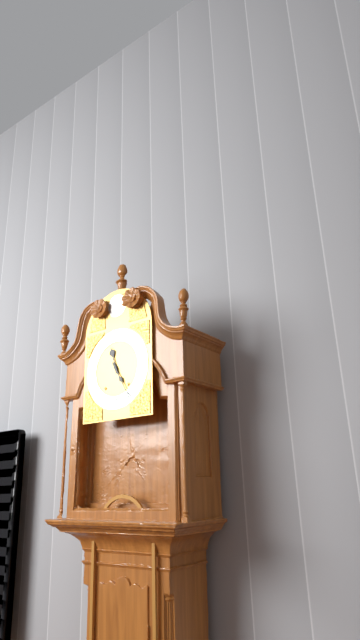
11:25
